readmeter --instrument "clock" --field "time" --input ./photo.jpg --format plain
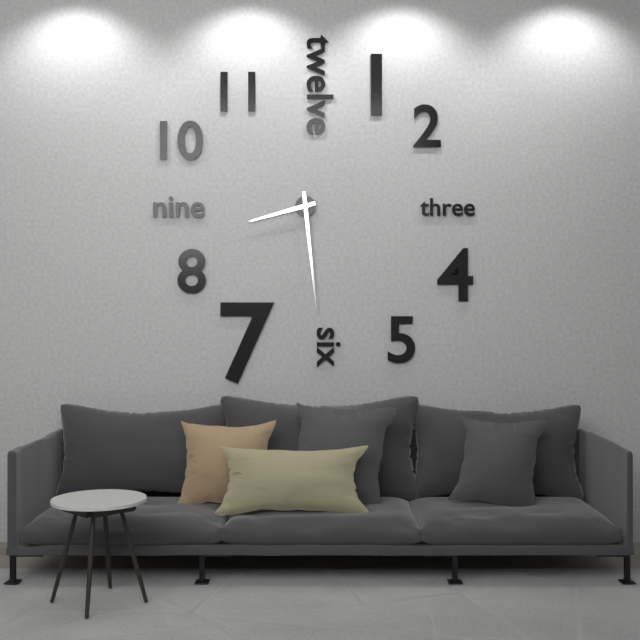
8:29
